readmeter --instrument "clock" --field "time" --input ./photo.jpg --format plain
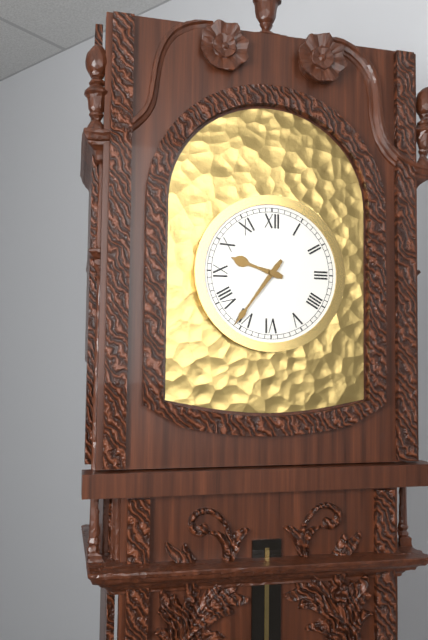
9:36
